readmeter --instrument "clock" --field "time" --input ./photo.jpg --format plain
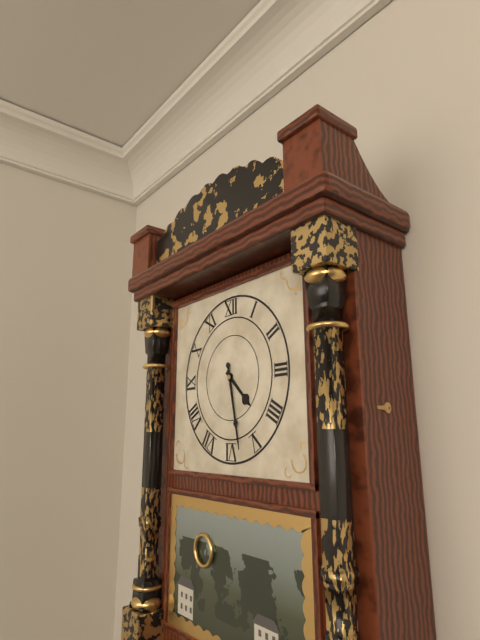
4:28
